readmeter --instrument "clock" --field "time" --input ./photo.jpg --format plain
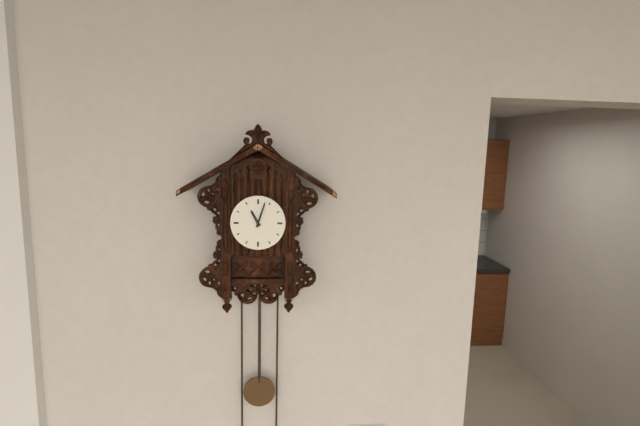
11:03
